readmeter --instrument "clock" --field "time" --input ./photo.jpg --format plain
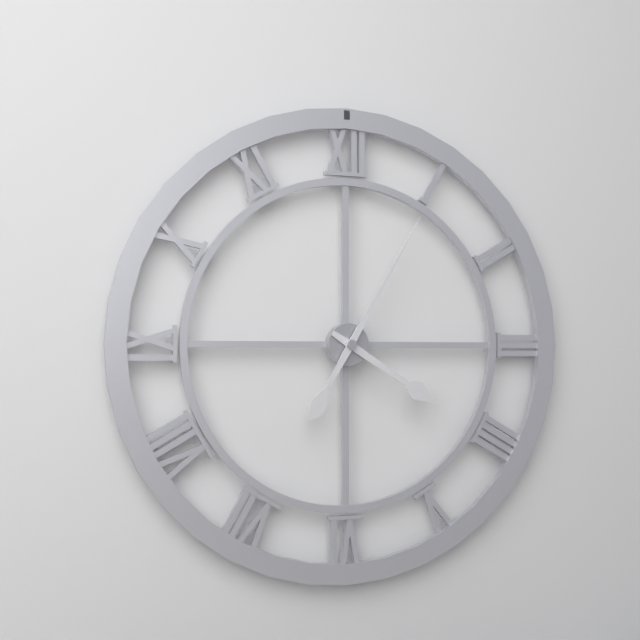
4:05
